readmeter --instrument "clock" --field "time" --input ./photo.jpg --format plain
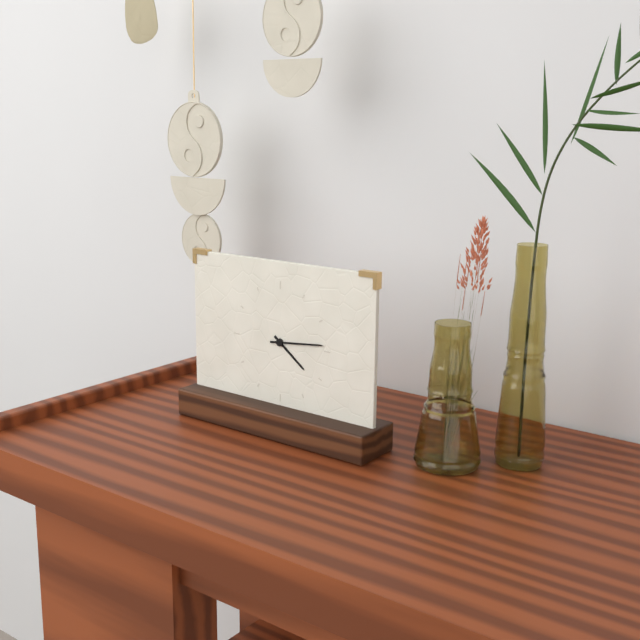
4:14
